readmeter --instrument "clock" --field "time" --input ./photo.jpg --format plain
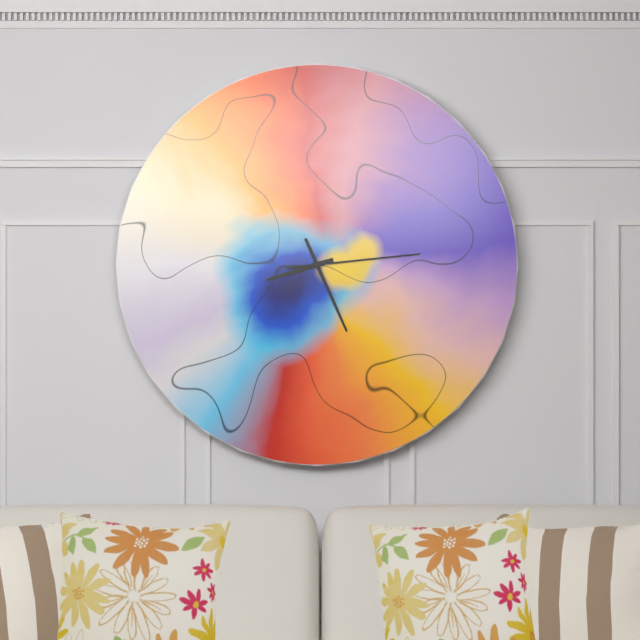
8:26:14
